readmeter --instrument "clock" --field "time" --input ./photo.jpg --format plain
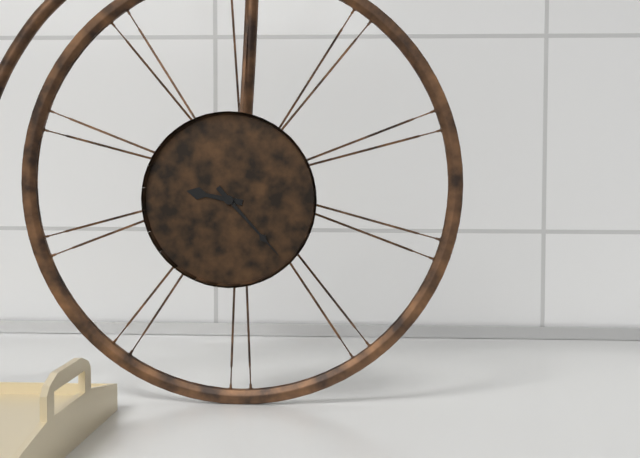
9:23
